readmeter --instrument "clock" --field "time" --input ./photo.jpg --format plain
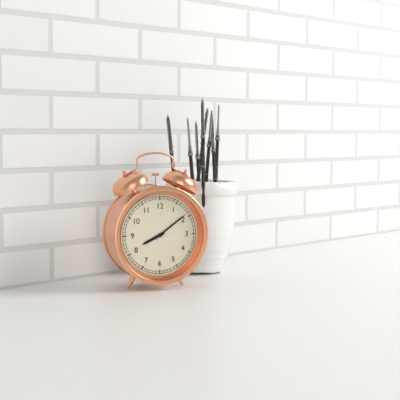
8:09
